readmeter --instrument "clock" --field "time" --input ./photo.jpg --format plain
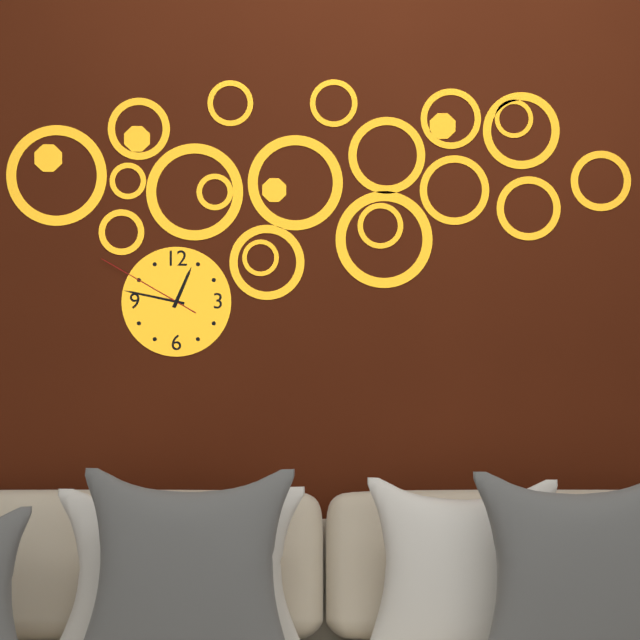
12:47:50
